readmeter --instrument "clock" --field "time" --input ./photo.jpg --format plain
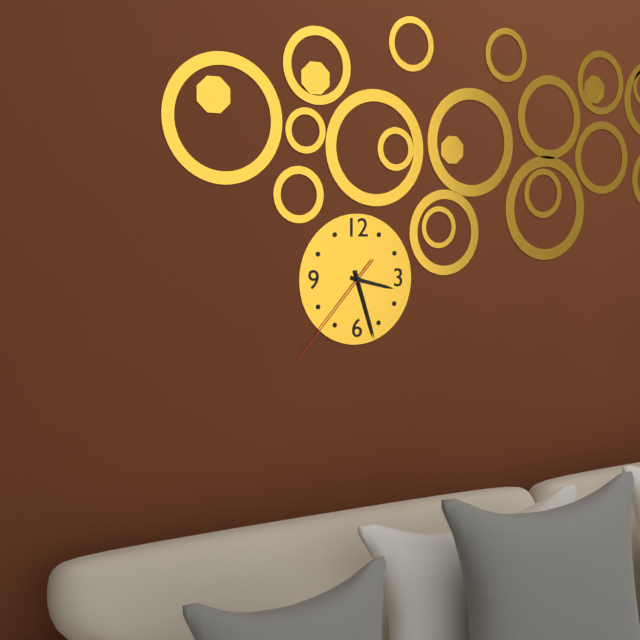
3:27:37
